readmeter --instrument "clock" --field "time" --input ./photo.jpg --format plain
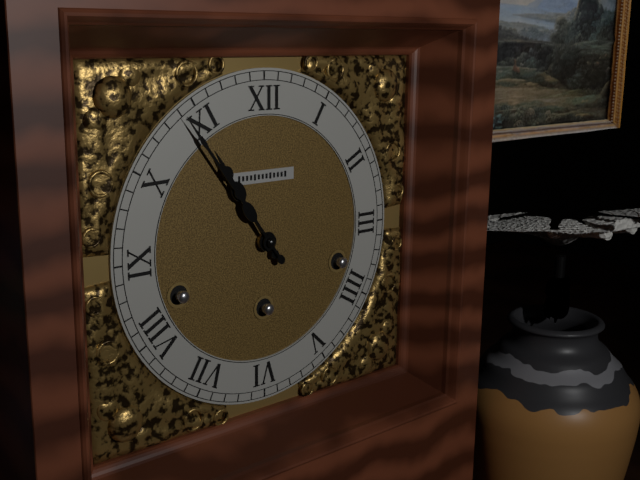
10:54
